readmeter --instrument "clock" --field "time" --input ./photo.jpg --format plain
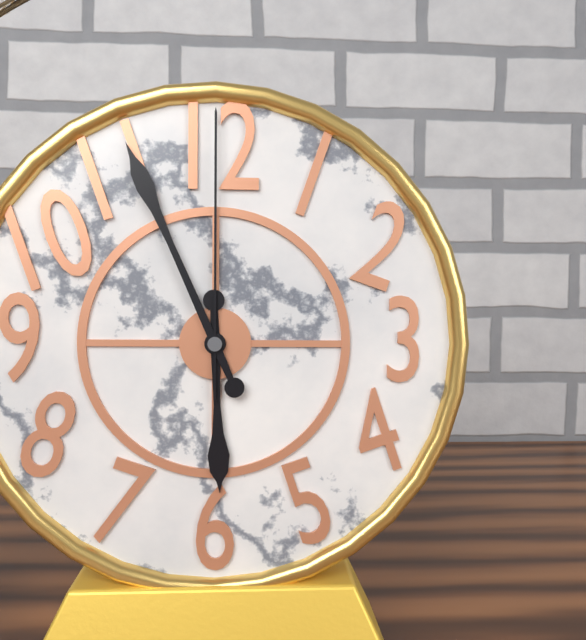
5:56:00
